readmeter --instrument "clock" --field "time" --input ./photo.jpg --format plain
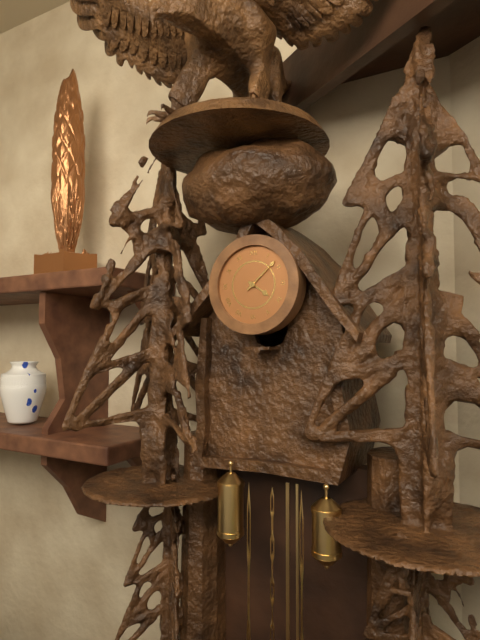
4:08
